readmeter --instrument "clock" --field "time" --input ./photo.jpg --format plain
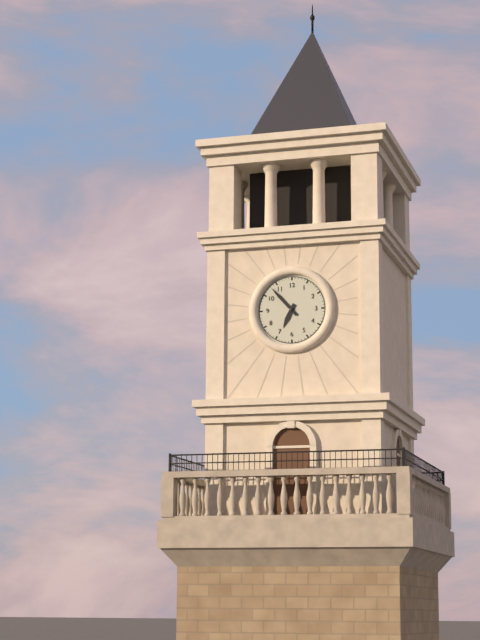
6:53
